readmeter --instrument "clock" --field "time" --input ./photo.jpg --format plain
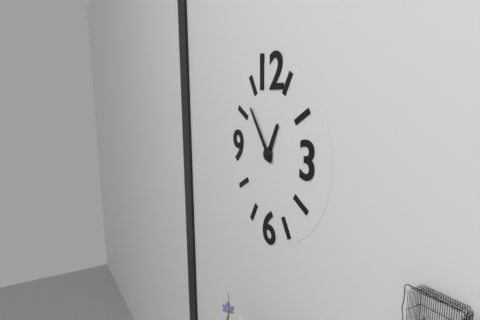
12:54
